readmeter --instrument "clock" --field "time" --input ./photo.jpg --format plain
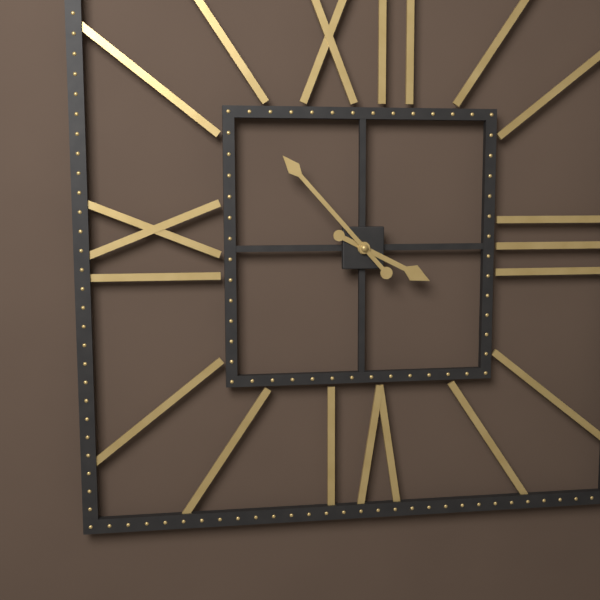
3:53
